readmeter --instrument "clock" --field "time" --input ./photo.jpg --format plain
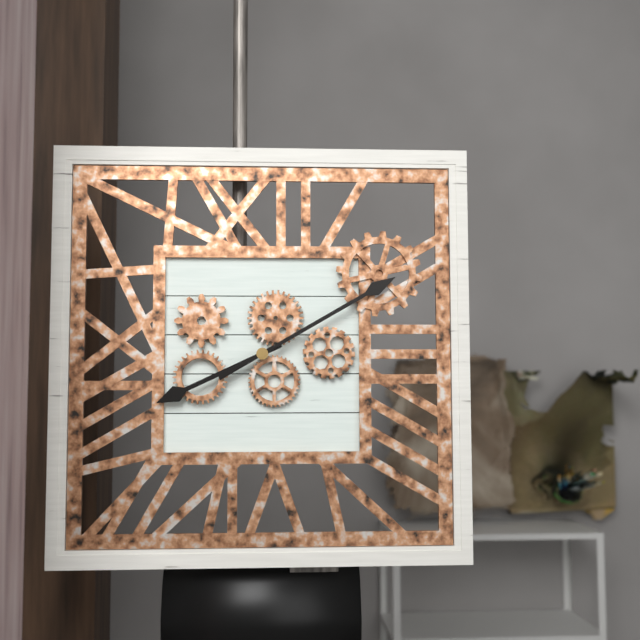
8:10
